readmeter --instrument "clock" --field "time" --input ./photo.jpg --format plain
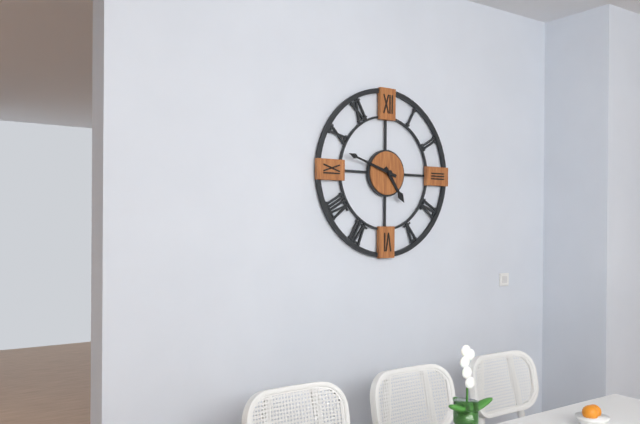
4:48
